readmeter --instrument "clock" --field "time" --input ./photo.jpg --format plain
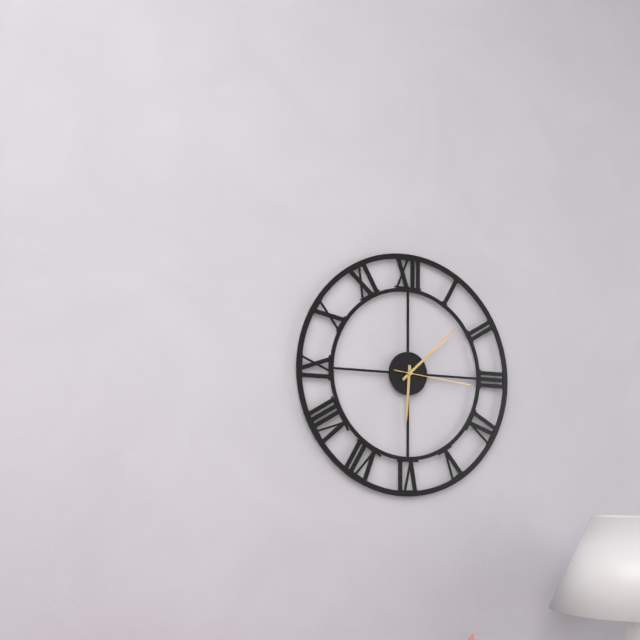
6:08:16
